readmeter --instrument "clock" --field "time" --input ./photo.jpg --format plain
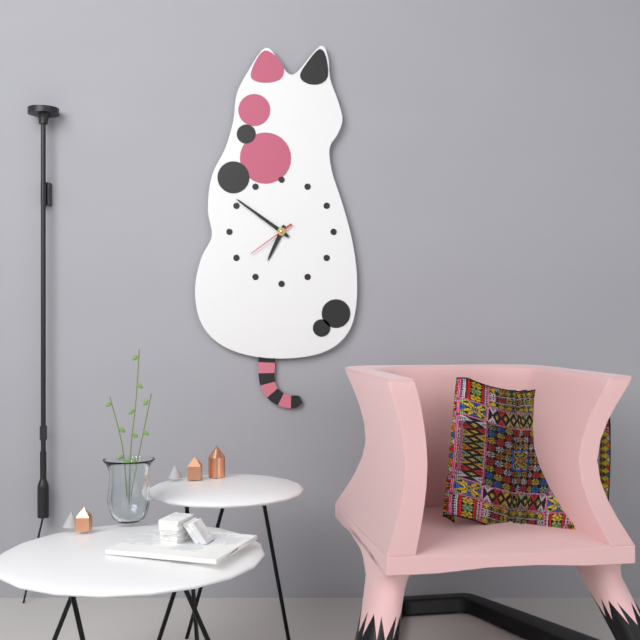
6:51
